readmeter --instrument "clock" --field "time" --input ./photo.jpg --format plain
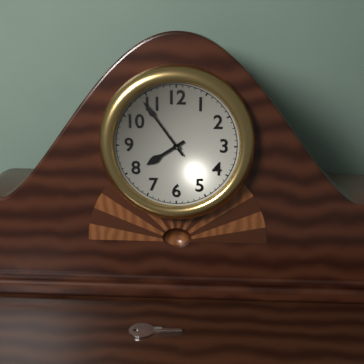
7:54
